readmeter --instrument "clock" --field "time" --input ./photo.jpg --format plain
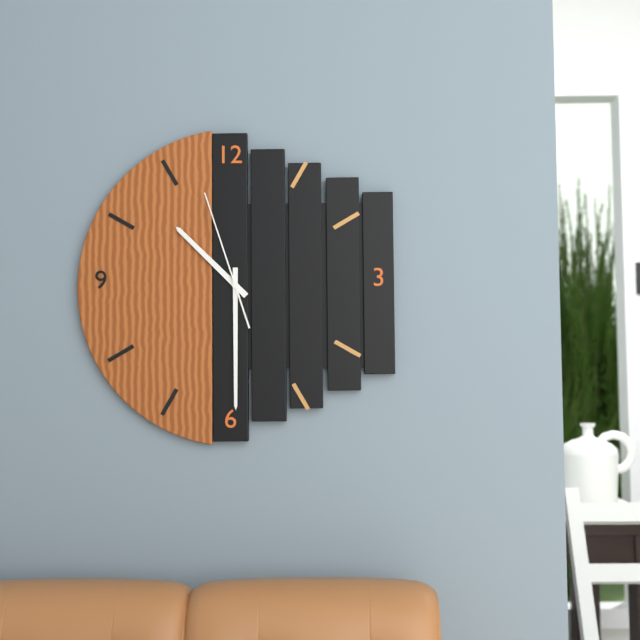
10:30:57
